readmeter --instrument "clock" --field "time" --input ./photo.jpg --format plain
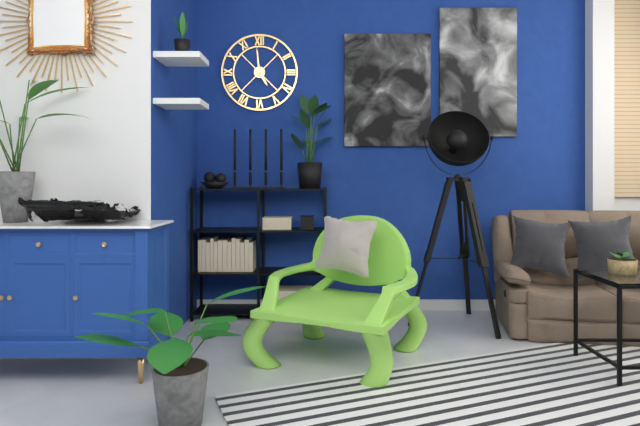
4:59
